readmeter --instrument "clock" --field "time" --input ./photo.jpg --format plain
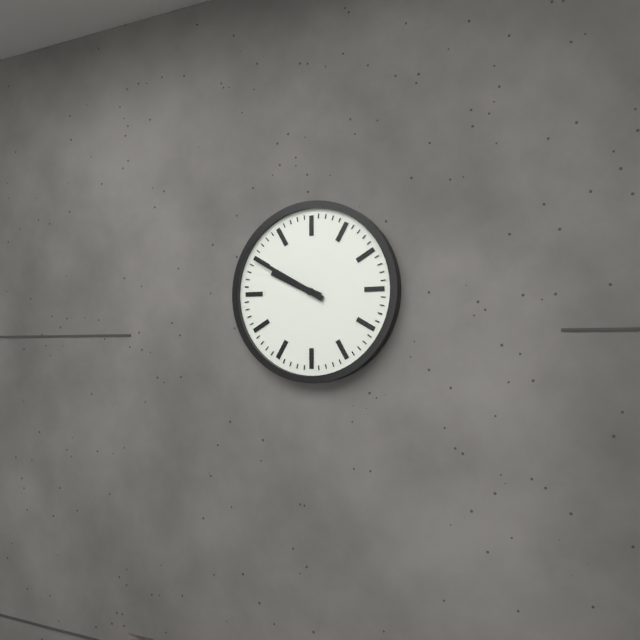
9:50
